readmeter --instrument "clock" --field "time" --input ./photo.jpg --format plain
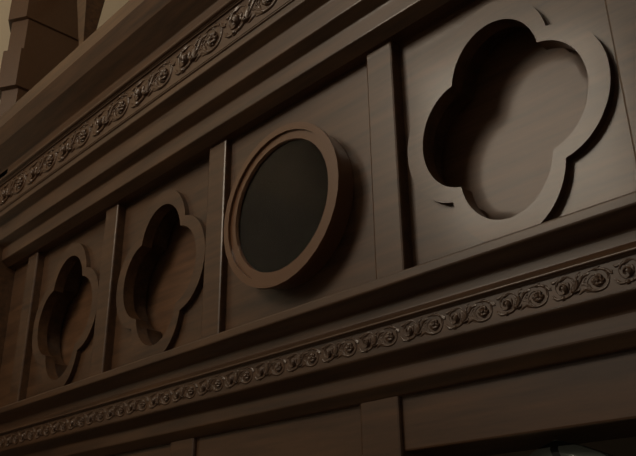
2:10
